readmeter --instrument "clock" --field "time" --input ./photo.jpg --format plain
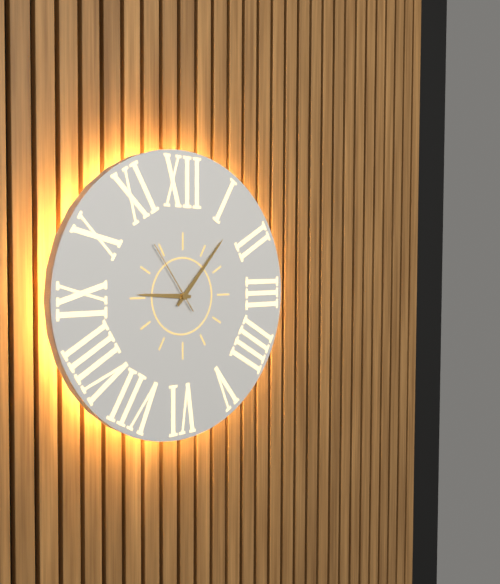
9:07:54
